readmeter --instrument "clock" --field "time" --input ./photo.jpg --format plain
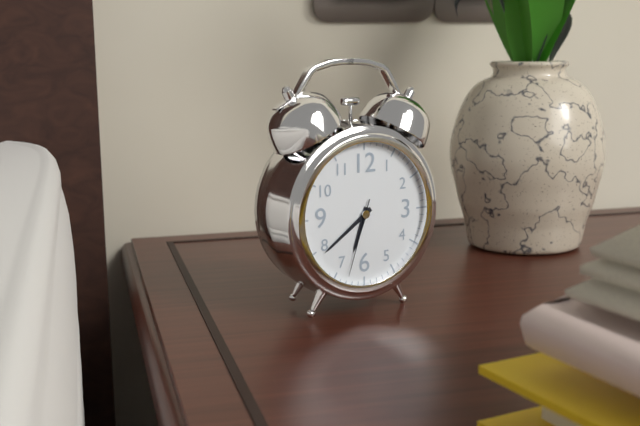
6:39:33
